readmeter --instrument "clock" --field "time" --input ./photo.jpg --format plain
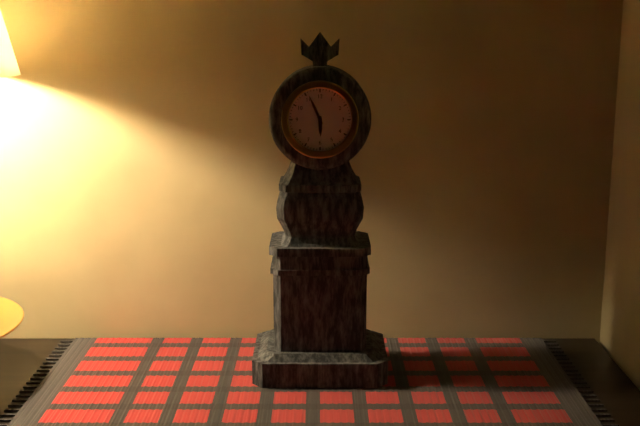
5:56
